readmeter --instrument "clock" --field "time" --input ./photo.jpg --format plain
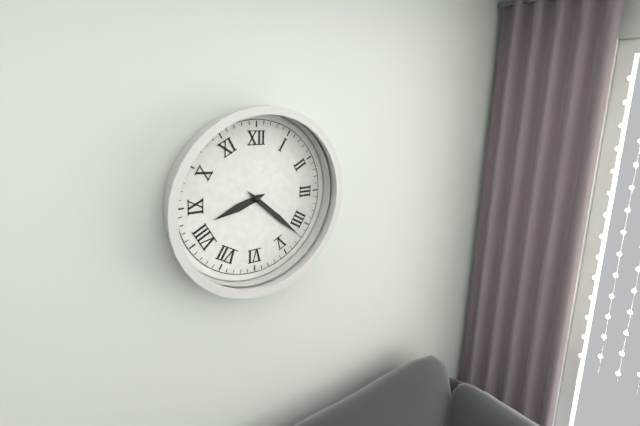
8:22
